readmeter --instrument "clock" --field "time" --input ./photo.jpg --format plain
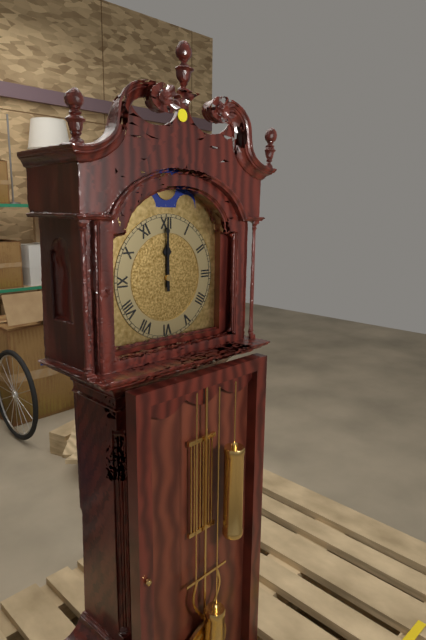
12:00
